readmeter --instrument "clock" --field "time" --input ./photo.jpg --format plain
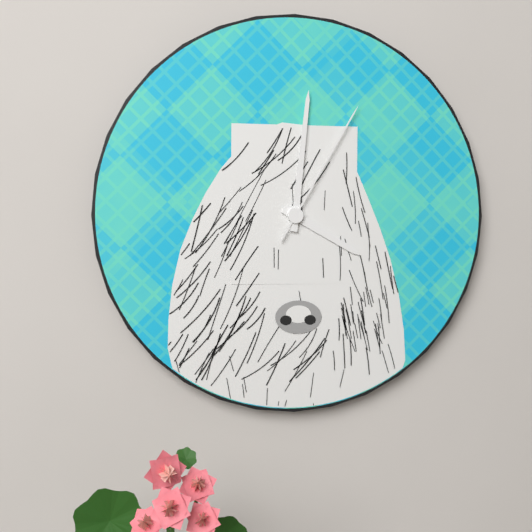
4:01:05
